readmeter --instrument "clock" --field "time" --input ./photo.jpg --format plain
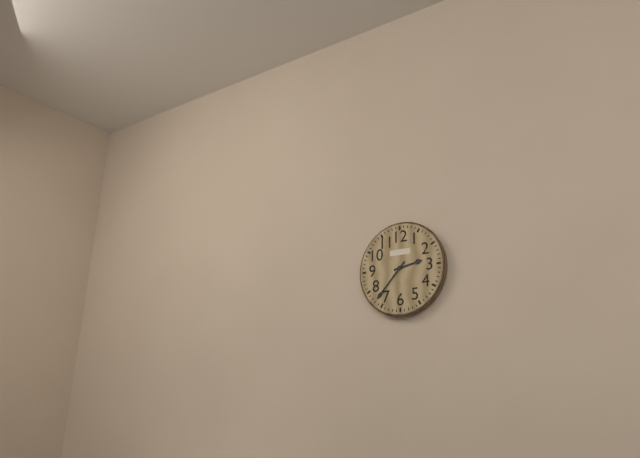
2:37
